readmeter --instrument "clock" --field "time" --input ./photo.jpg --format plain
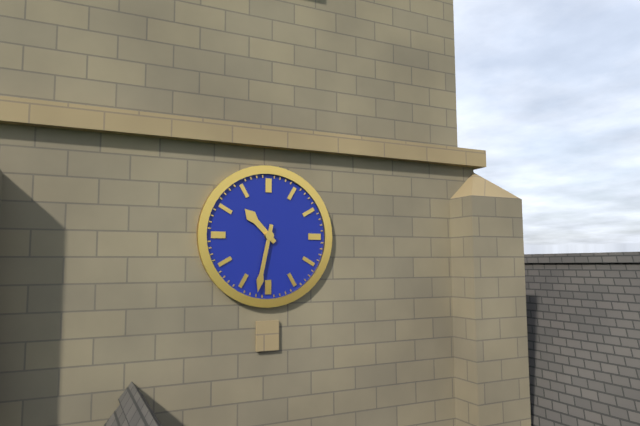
10:32
